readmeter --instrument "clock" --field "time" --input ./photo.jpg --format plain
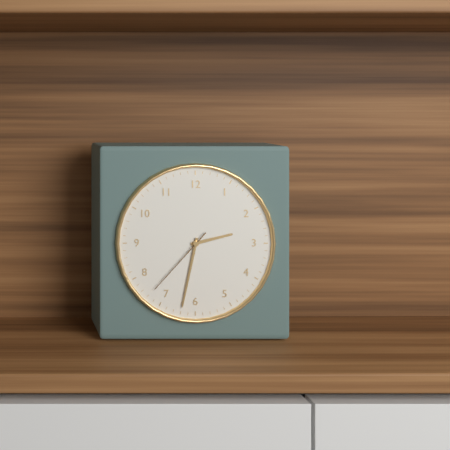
2:32:37
